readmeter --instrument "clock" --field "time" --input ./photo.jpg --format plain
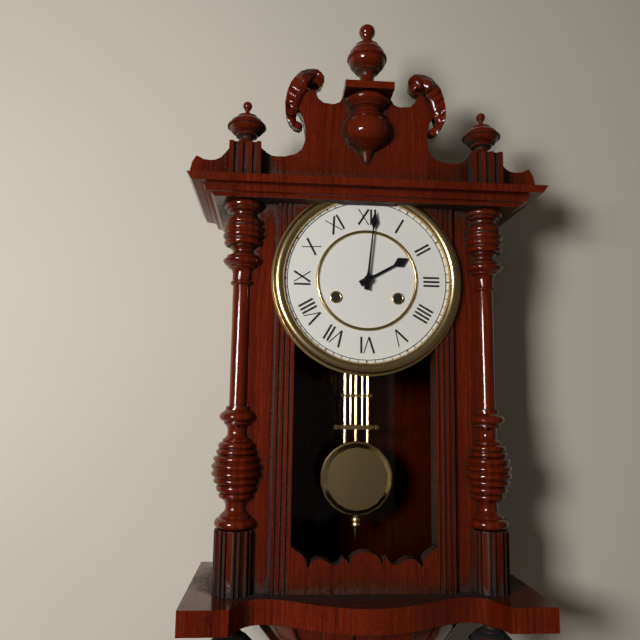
2:01
